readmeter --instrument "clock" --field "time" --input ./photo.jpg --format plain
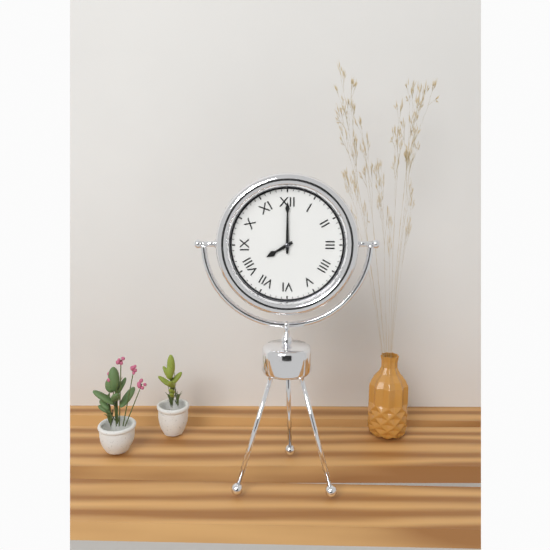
8:00
